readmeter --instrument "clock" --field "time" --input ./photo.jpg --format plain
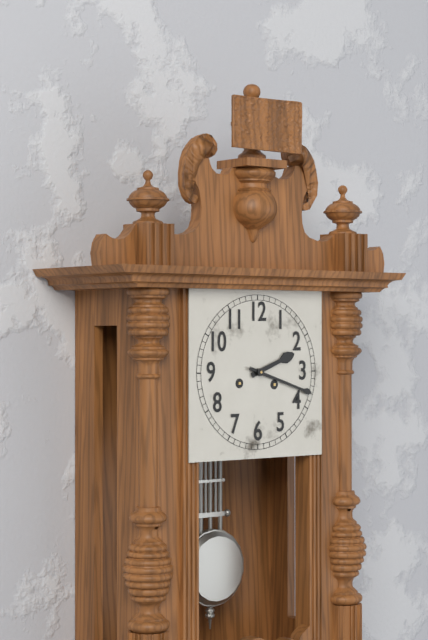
2:18
